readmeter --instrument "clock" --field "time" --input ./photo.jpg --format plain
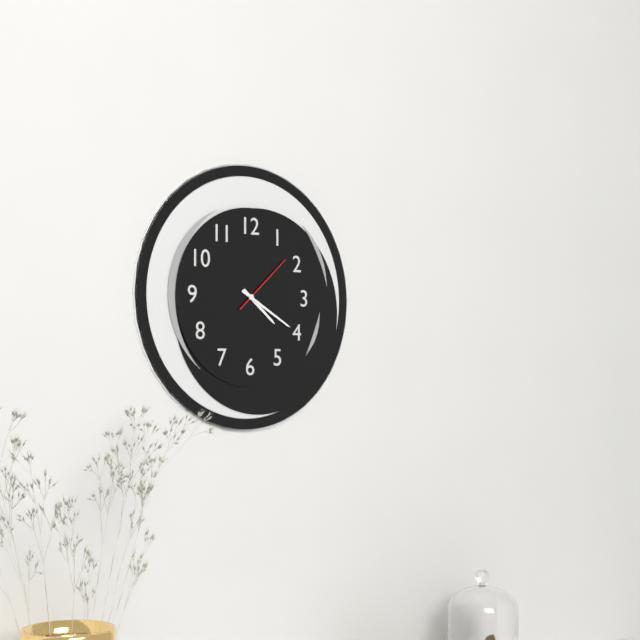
4:20:08
